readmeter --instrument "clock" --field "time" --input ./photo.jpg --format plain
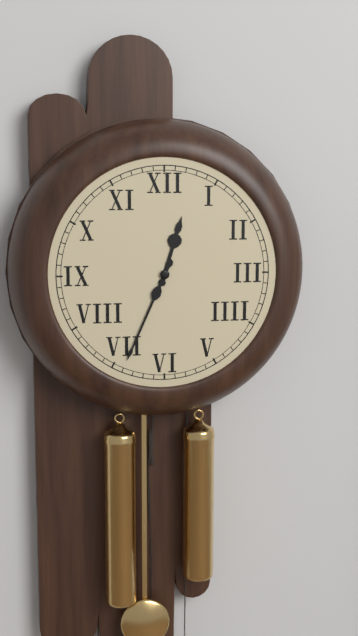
12:34
